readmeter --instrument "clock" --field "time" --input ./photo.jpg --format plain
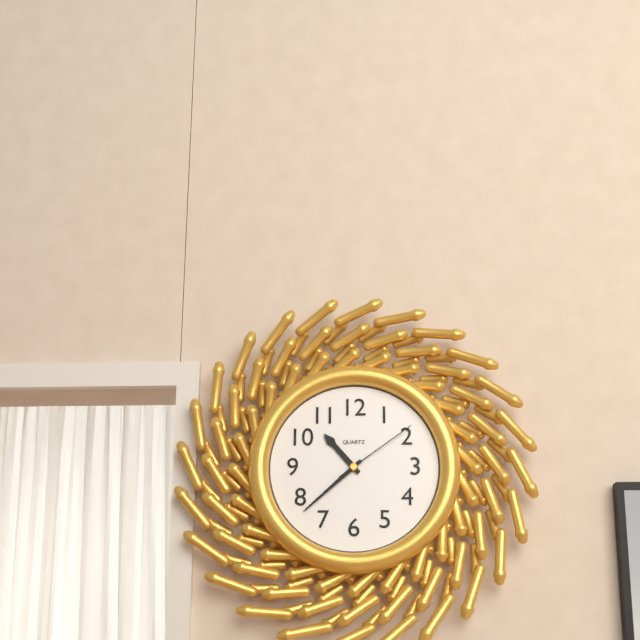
10:38:09
